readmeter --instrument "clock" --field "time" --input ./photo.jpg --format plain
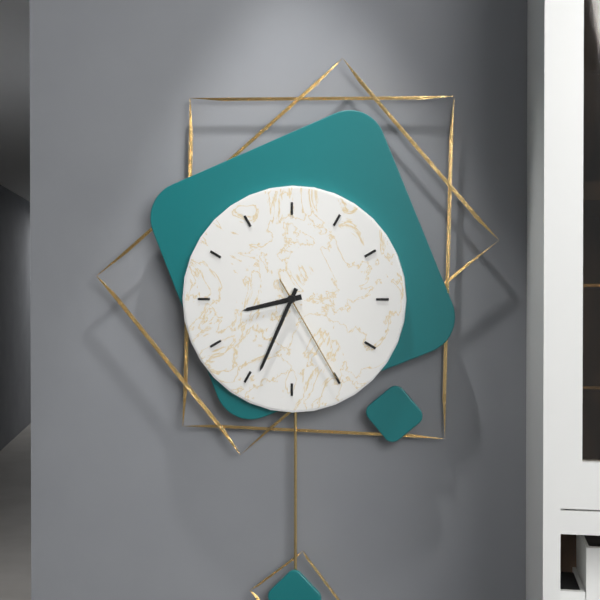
8:34:25
